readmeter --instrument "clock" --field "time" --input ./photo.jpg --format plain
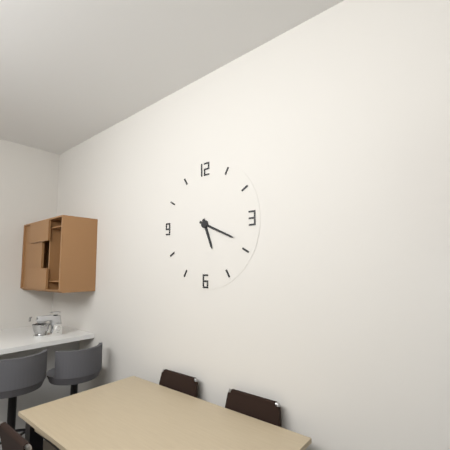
5:19
